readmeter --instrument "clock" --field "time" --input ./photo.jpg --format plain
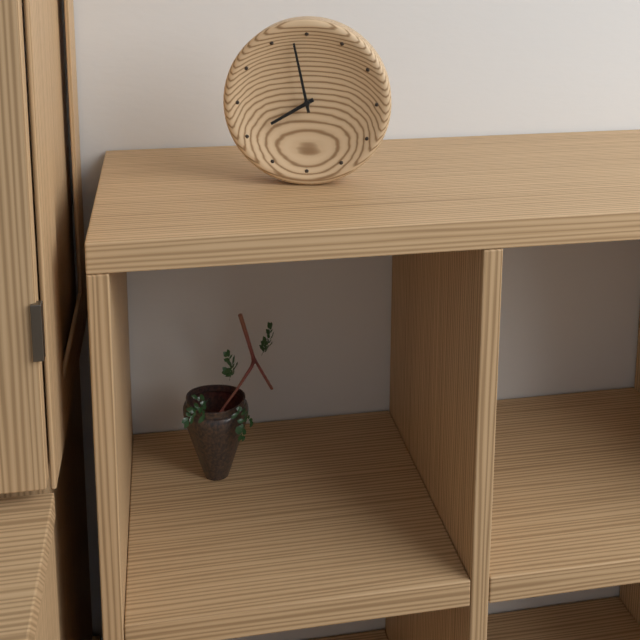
7:58
